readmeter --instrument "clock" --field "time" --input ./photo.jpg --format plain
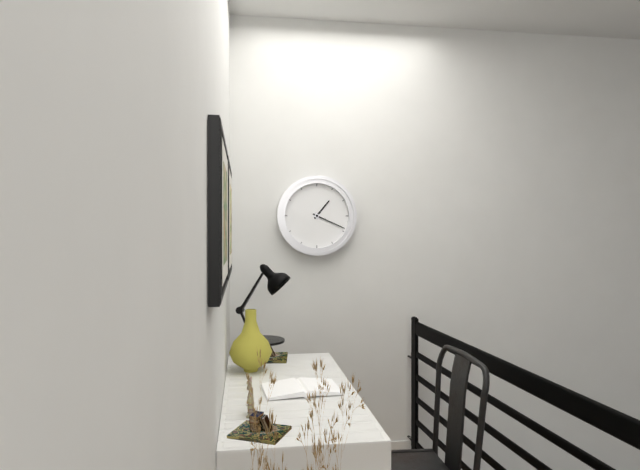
1:19
